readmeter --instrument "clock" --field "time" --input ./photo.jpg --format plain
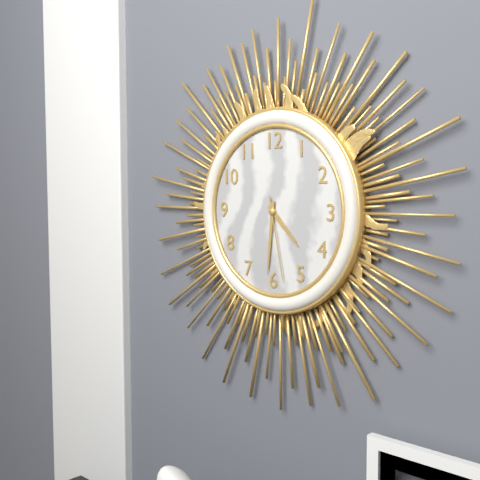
4:31:28
